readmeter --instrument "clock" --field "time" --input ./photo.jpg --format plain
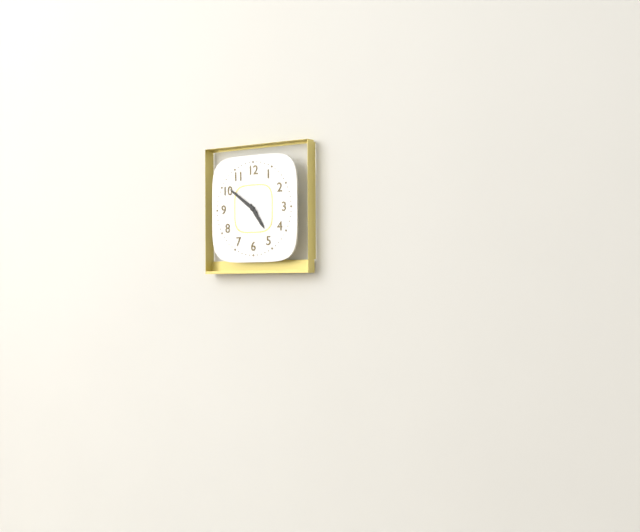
4:51
